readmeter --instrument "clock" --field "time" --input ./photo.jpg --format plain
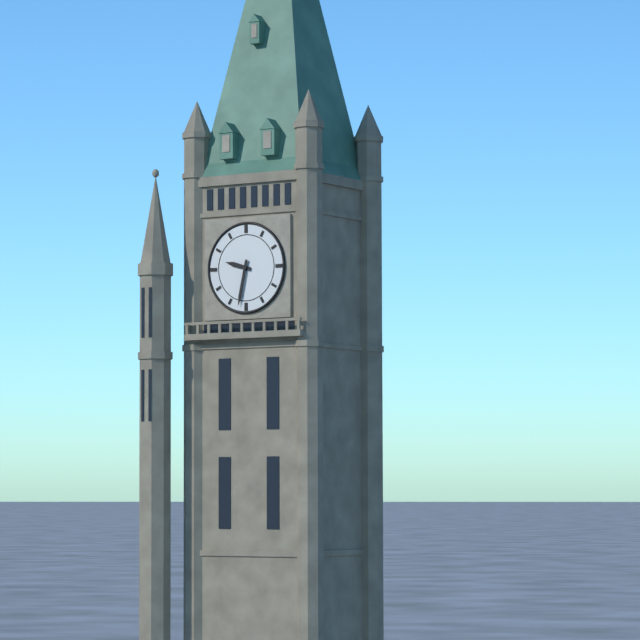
9:32
